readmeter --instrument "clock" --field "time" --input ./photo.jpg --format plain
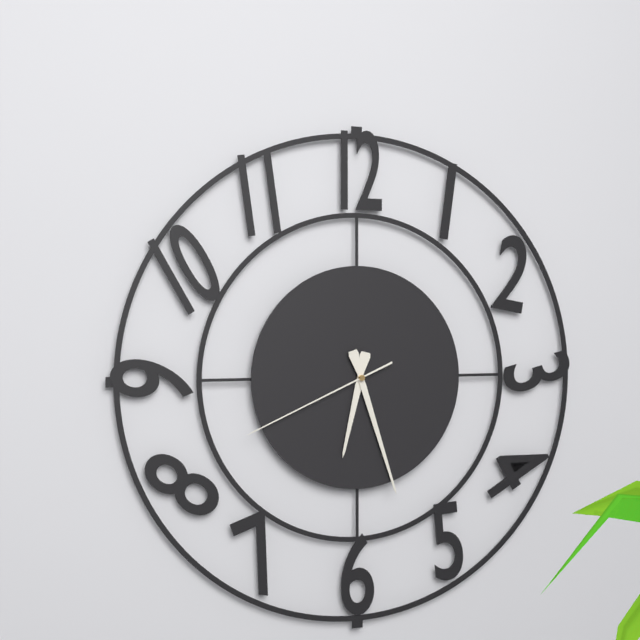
6:27:41
